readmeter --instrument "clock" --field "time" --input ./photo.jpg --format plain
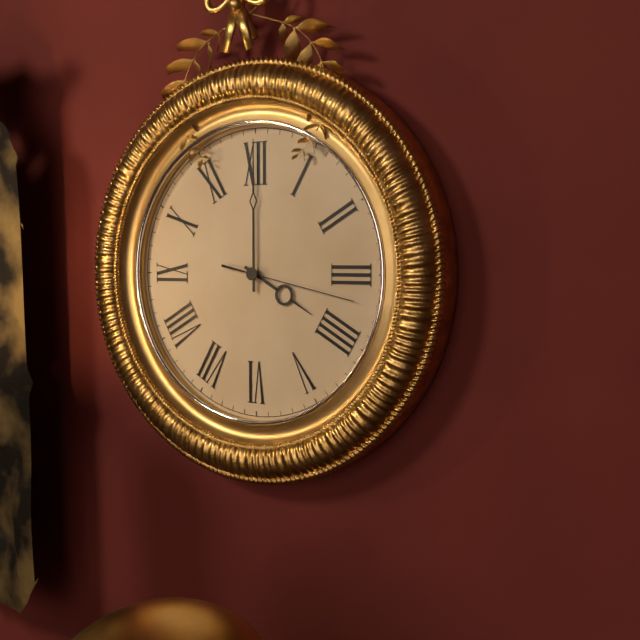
4:00:17
